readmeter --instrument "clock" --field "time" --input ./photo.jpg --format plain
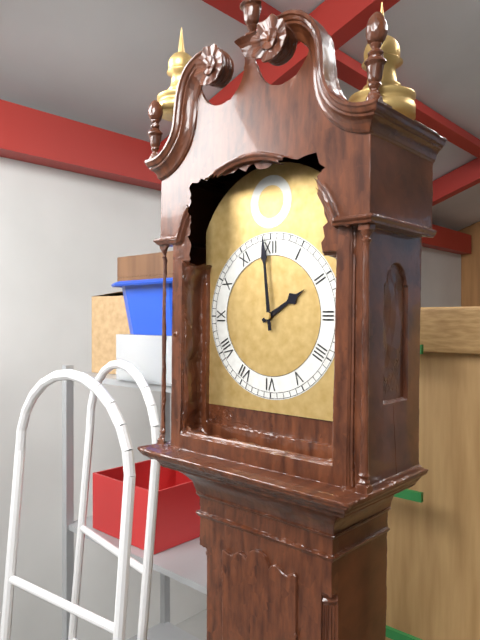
1:59
